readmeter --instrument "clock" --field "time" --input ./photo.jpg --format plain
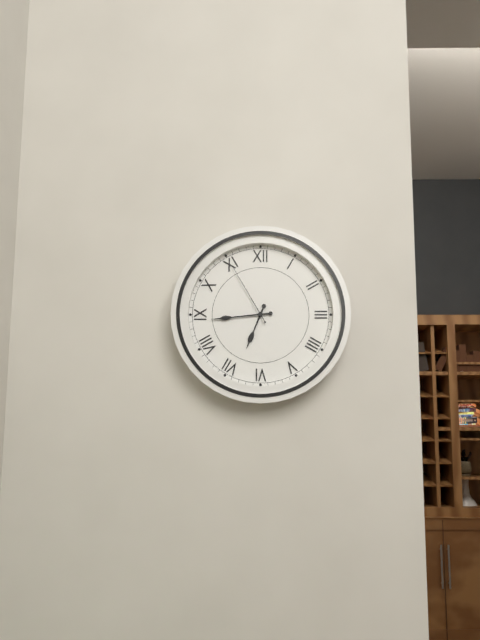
6:44:55
